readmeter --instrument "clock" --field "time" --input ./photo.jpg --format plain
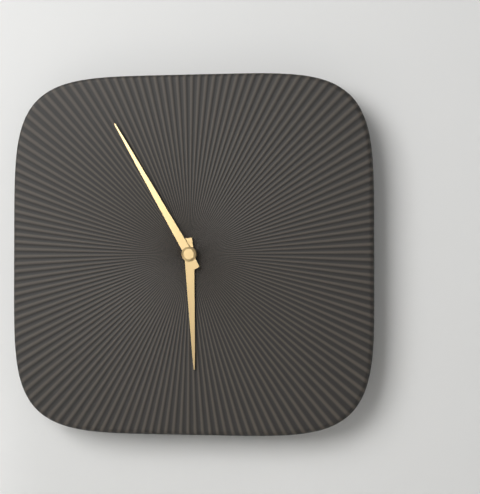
5:55
